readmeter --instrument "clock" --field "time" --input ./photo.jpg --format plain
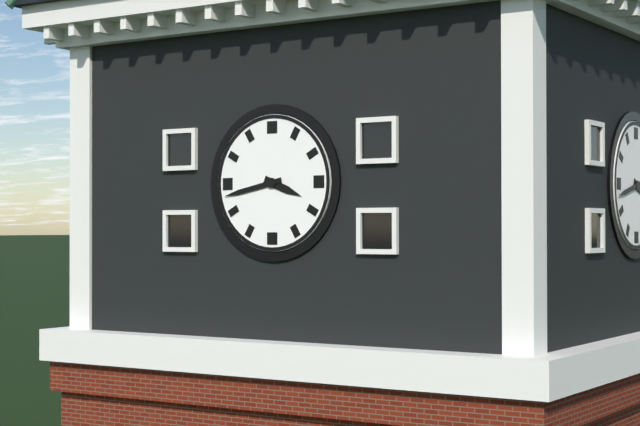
3:43
